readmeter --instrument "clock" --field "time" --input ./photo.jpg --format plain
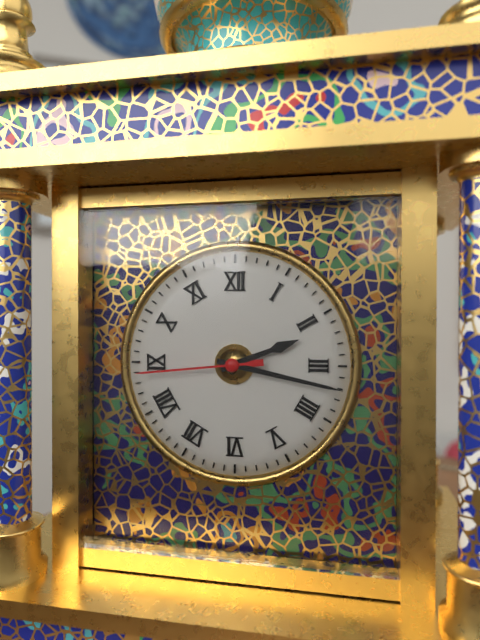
2:17:44
